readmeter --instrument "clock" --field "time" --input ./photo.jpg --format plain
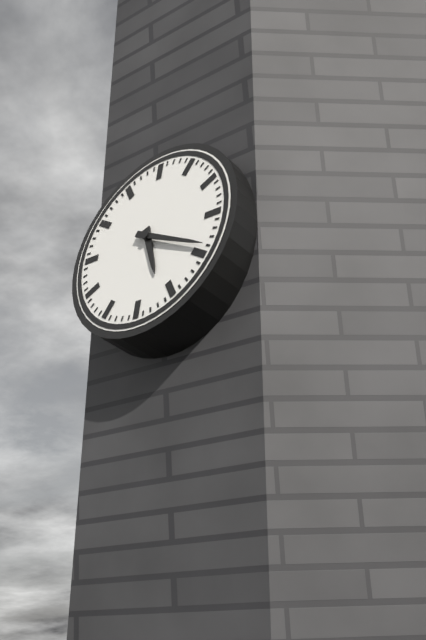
5:19
